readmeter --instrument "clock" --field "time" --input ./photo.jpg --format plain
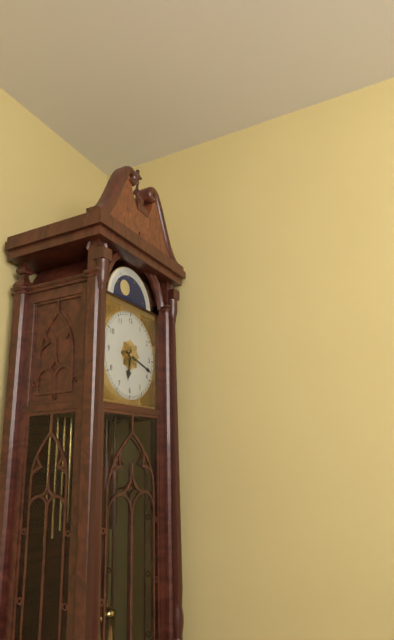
6:18
